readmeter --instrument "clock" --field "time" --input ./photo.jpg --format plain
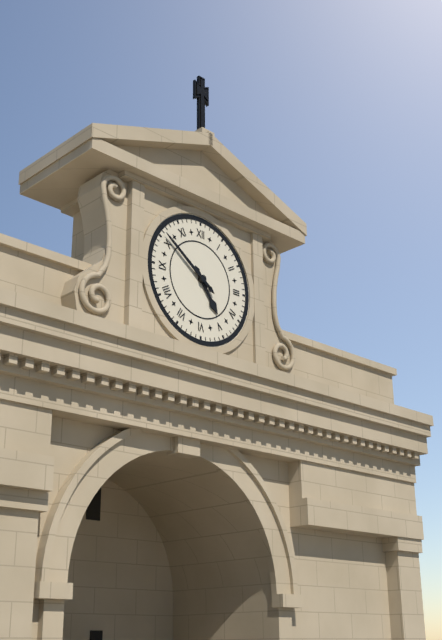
4:51
